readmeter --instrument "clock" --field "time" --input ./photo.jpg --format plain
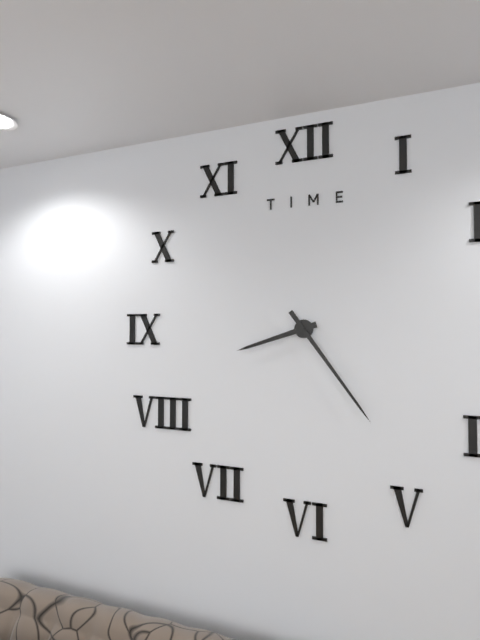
8:24
